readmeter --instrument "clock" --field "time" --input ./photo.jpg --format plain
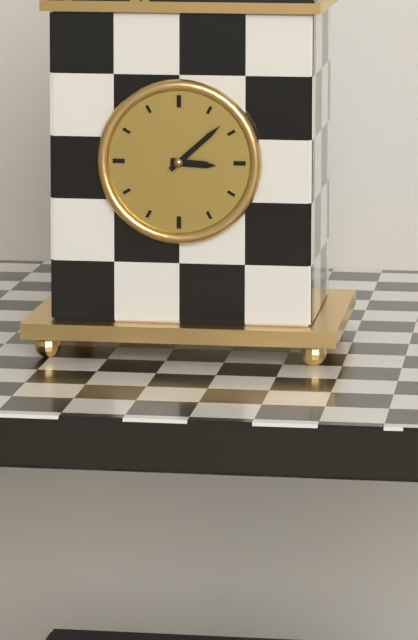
3:08
